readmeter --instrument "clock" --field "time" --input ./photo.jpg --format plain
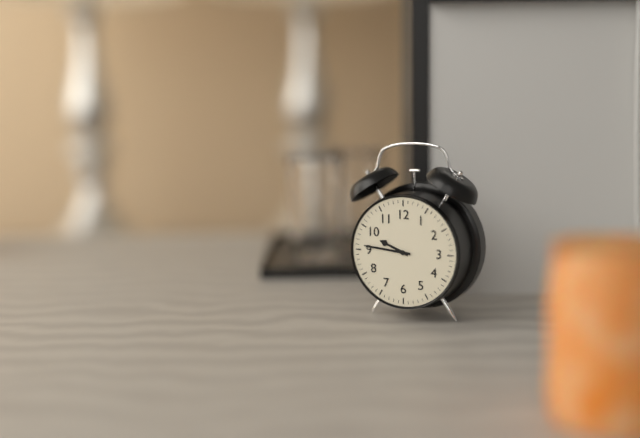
9:46
